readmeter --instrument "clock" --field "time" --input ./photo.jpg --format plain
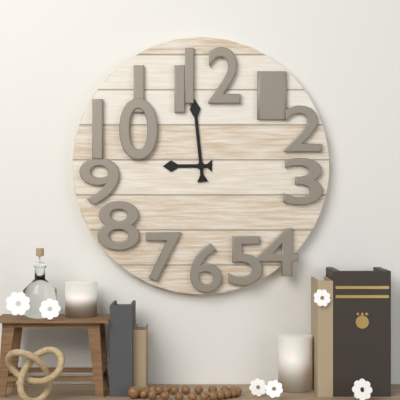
8:59
